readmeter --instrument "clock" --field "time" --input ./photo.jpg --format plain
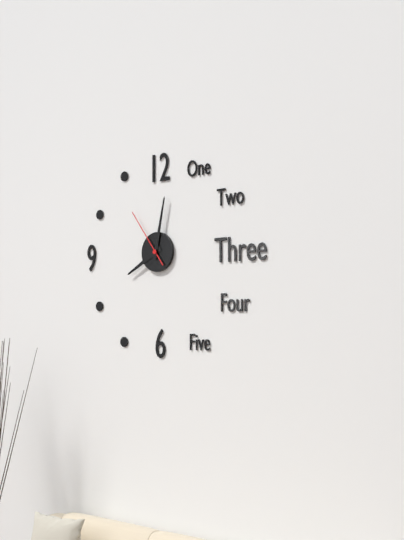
8:02:54
